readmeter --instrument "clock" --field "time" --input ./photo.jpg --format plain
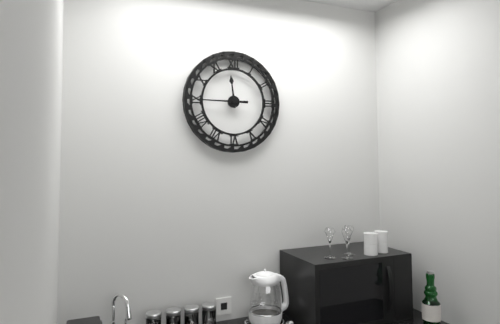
11:45
